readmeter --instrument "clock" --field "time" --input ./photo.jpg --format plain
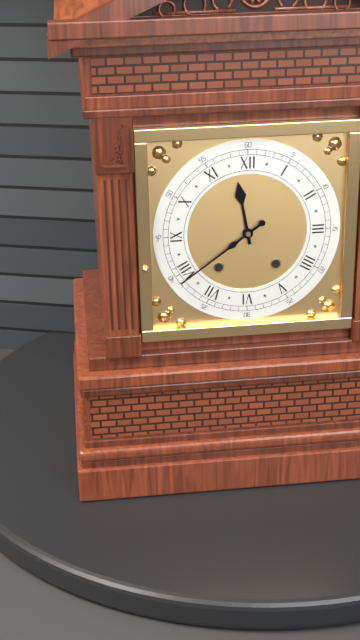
11:39
